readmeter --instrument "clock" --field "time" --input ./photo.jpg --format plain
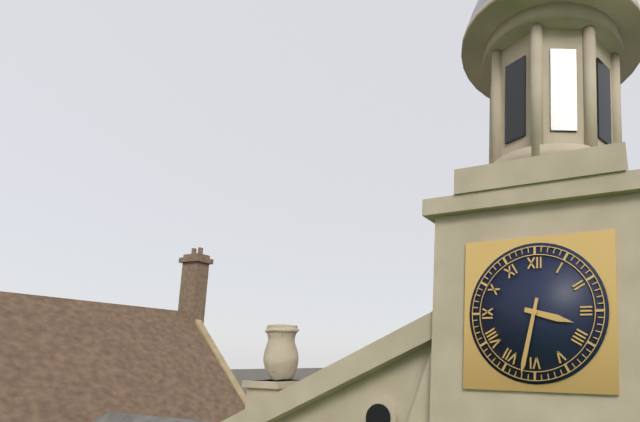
3:32
